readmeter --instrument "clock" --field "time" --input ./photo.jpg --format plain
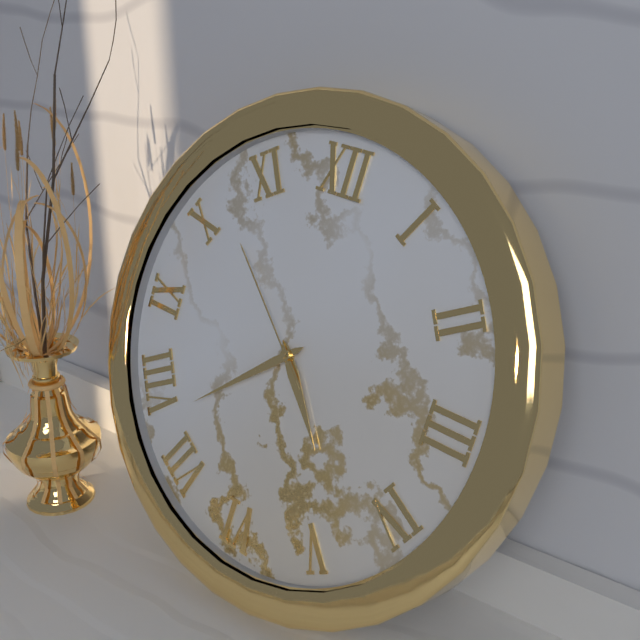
4:38:52
